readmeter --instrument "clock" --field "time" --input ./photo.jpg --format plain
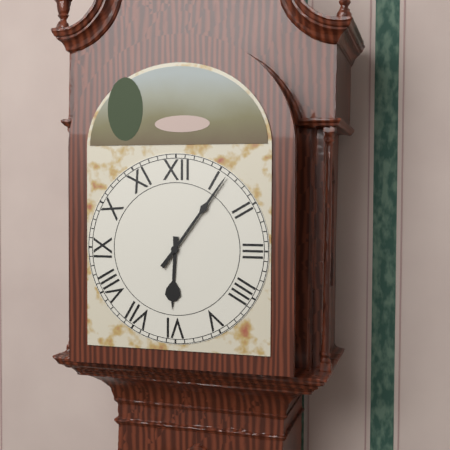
6:06
